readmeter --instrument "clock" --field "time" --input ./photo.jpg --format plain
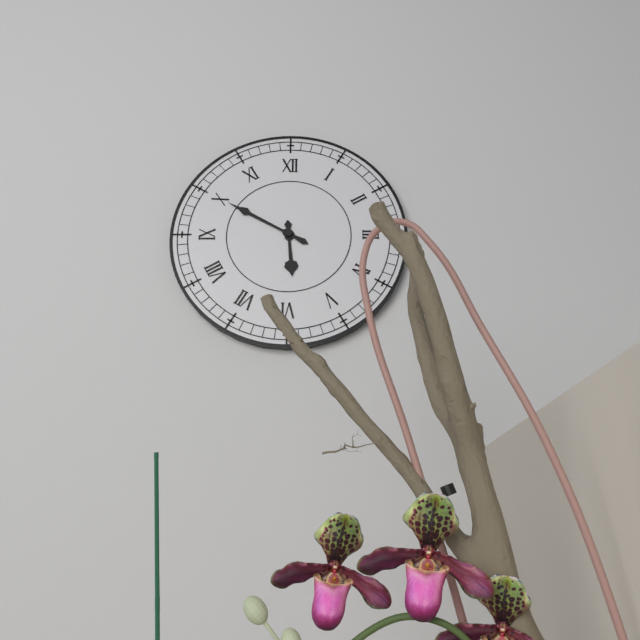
5:50
